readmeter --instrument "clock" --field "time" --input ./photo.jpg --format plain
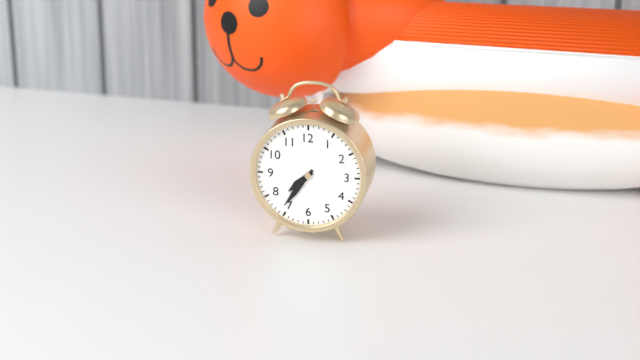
7:36
